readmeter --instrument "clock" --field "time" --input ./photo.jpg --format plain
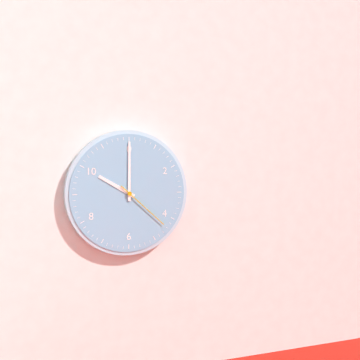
10:00:22
